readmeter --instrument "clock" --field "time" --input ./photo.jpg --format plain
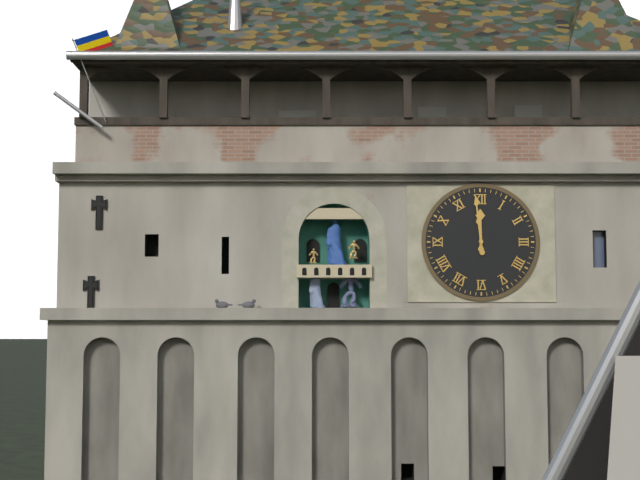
11:59
